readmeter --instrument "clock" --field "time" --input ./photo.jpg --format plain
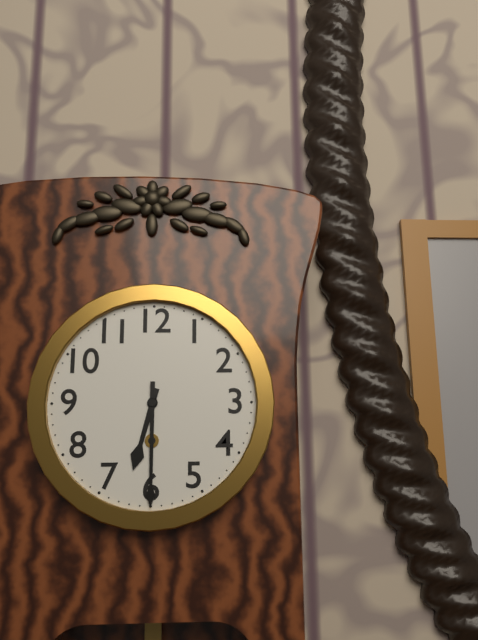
6:30
